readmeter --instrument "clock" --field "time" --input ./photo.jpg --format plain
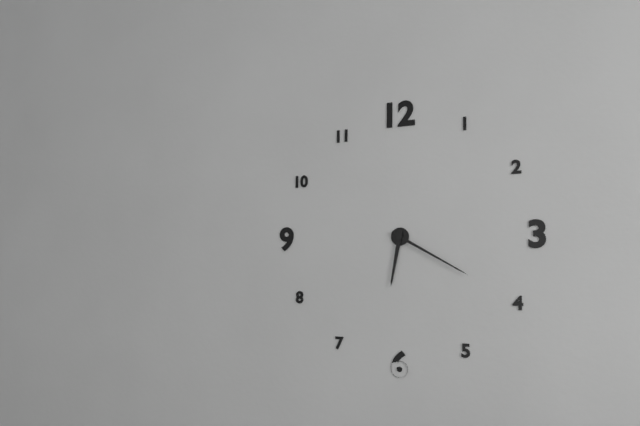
6:20
